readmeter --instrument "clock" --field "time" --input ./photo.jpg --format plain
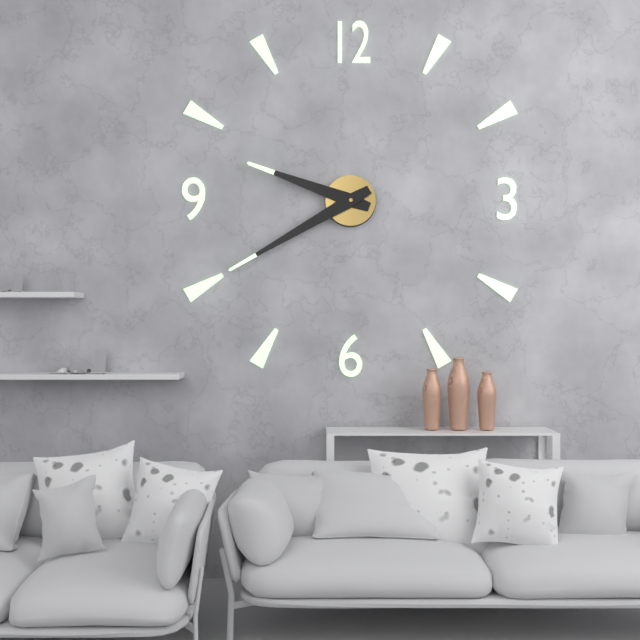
9:40
